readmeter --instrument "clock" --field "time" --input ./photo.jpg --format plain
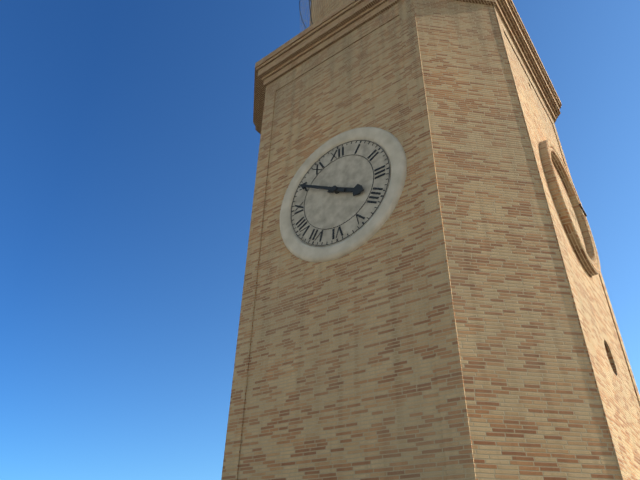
3:50
